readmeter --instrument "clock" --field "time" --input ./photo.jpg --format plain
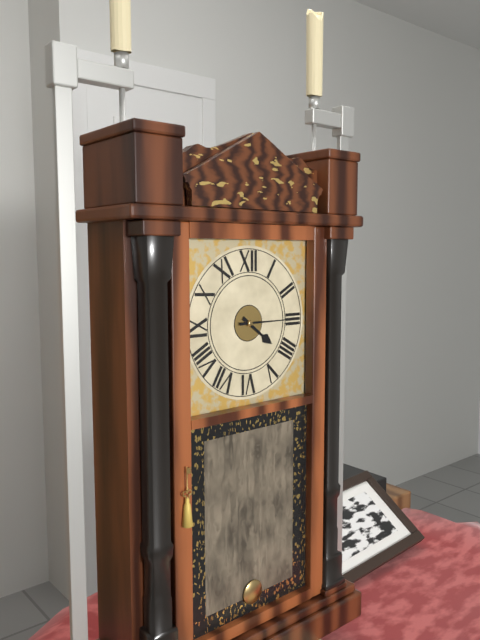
4:15
